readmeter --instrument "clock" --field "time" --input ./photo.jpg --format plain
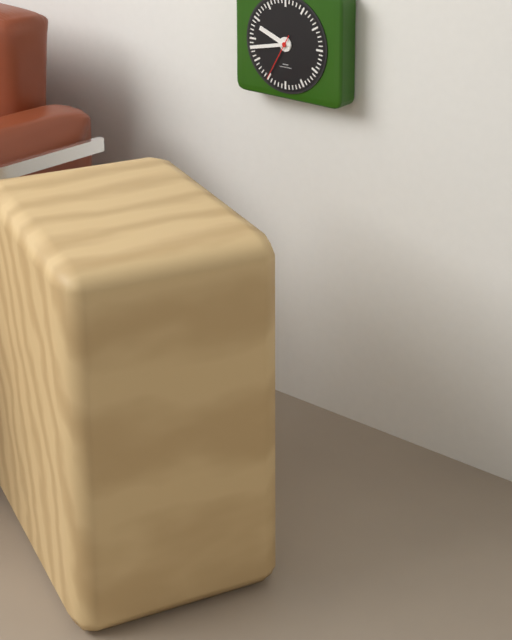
9:43
